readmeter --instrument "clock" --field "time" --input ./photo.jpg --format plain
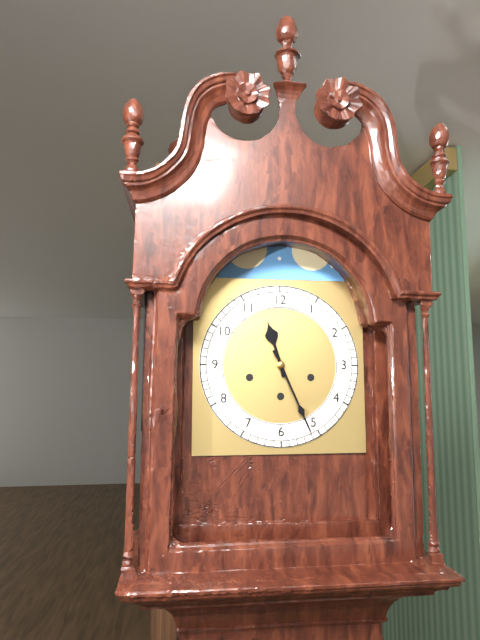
11:26
